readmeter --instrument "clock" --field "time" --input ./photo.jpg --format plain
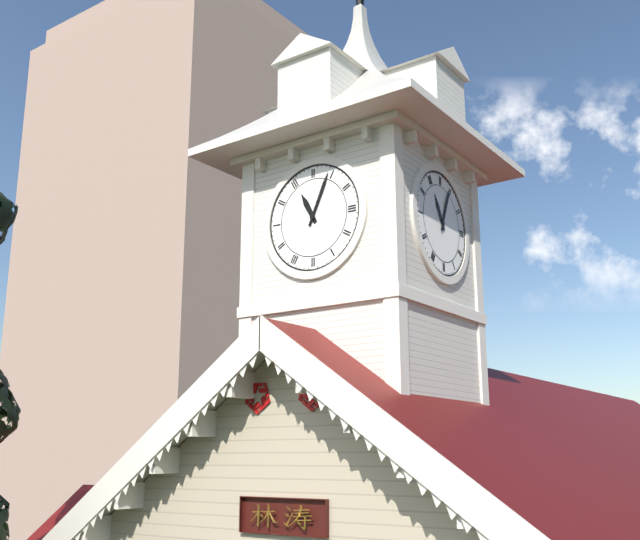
11:04
